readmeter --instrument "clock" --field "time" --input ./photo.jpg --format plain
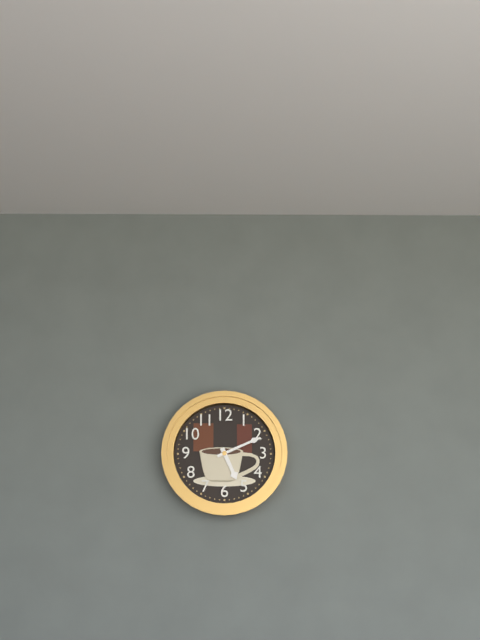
5:11
